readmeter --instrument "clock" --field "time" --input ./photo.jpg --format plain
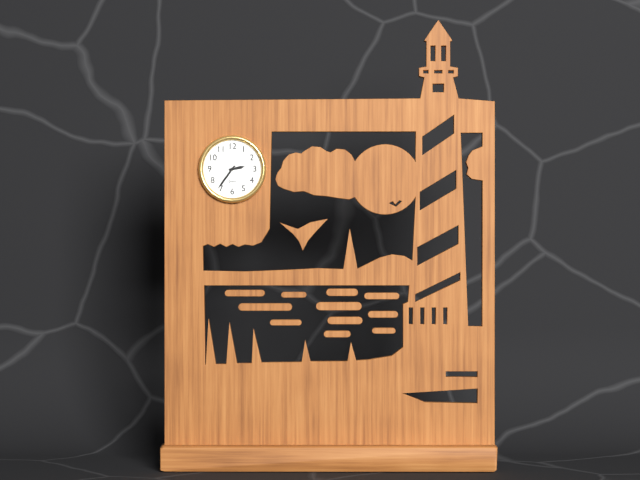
2:36
